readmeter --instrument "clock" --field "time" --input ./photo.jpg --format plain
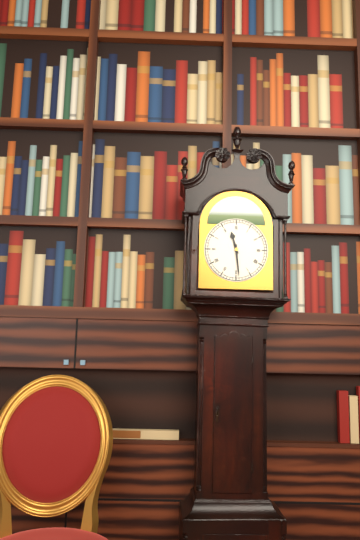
11:29
